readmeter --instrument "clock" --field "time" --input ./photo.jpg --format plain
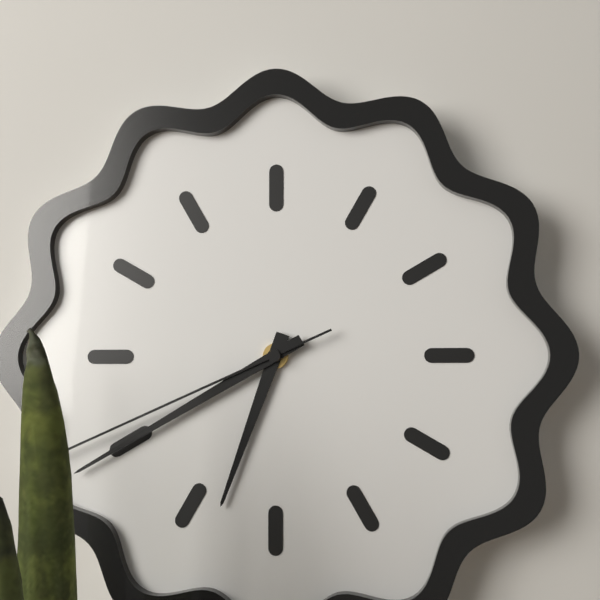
6:40:41
